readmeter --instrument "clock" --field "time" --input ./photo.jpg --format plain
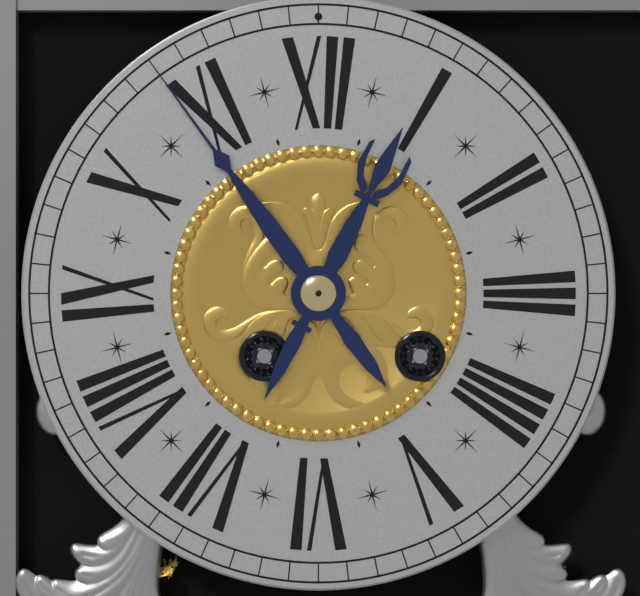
12:54
